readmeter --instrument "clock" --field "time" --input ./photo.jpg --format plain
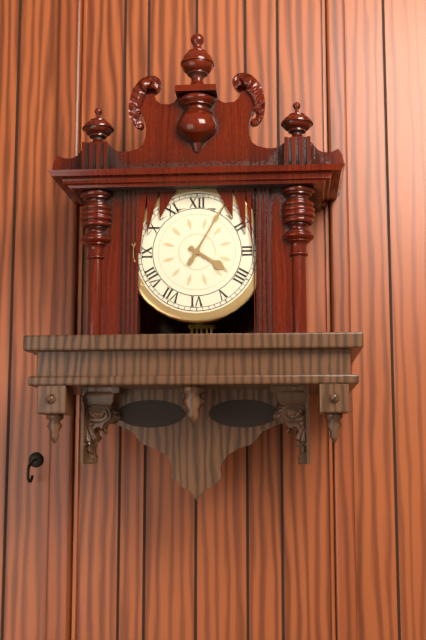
4:05
